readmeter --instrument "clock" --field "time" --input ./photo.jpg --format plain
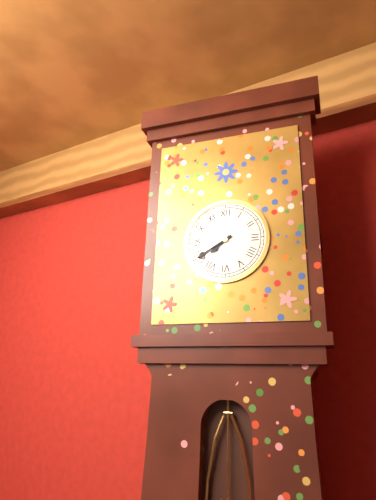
7:40
